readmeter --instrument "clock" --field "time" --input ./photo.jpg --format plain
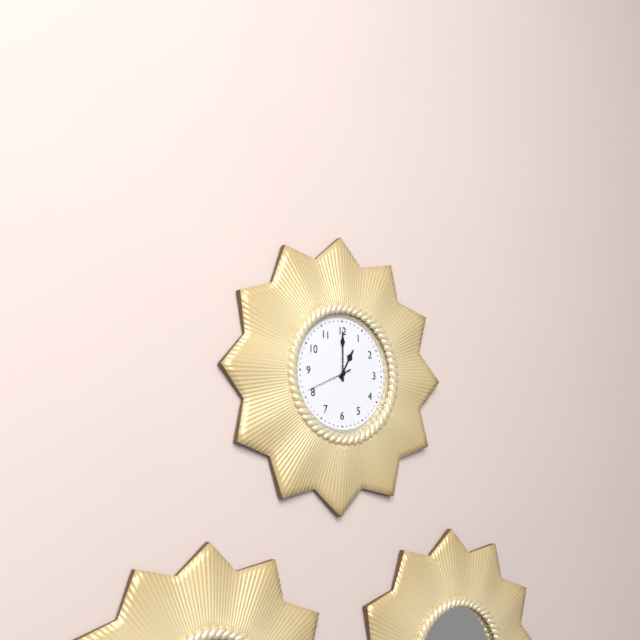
1:00:41
